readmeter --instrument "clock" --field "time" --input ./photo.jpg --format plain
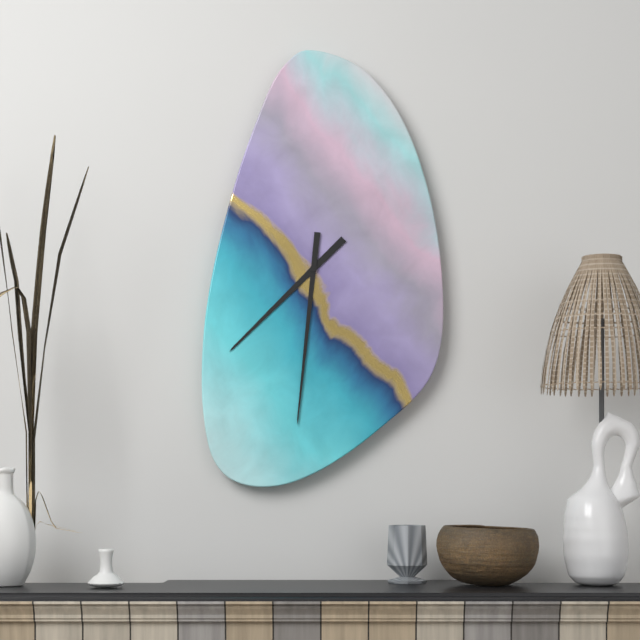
7:31
